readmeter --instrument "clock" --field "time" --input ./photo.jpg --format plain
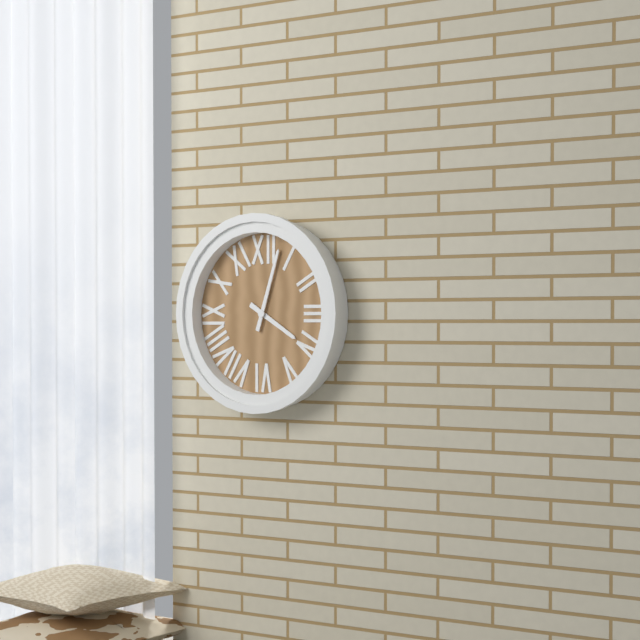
4:03
